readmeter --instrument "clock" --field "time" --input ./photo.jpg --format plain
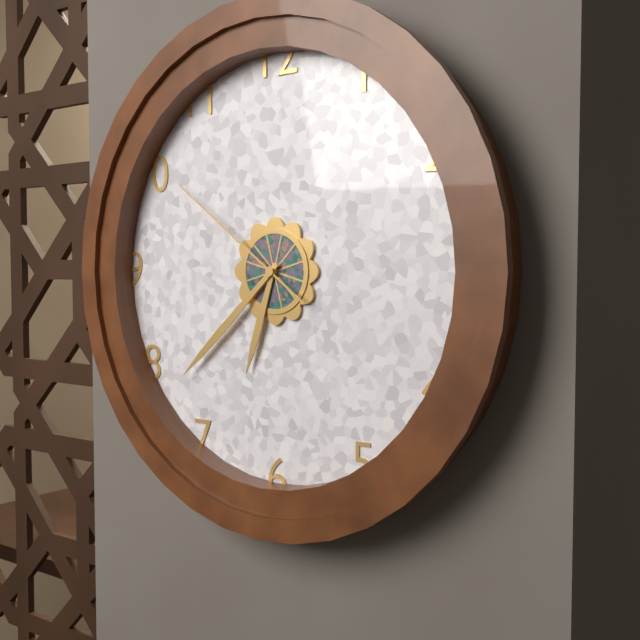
6:38:51
